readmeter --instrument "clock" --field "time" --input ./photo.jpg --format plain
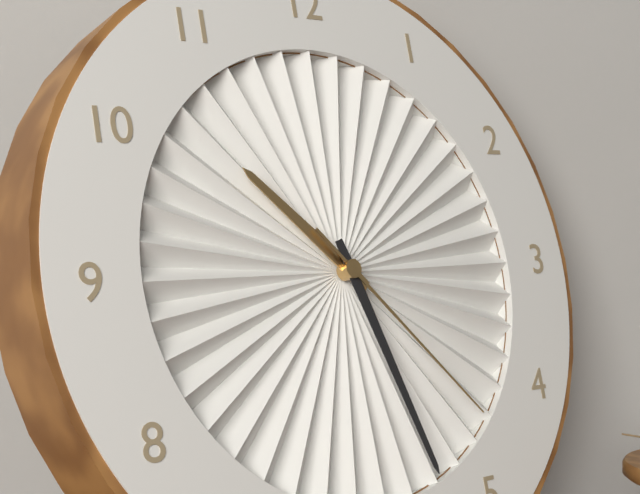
10:27:23
